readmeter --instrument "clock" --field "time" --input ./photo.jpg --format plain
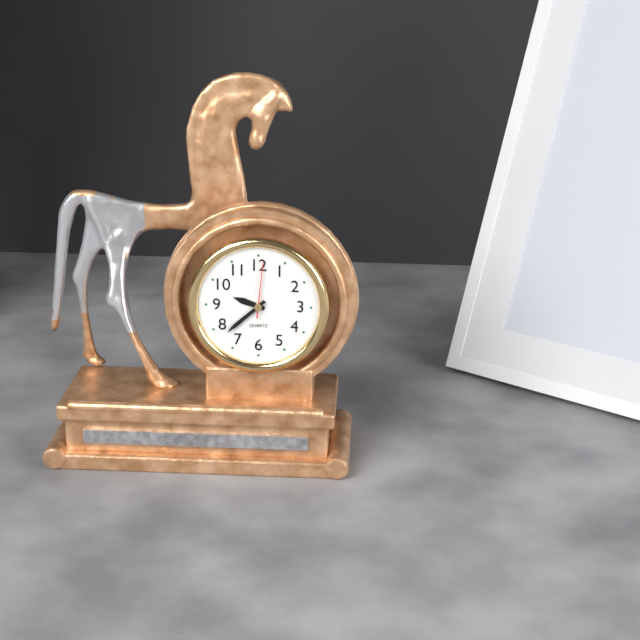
9:38:01
